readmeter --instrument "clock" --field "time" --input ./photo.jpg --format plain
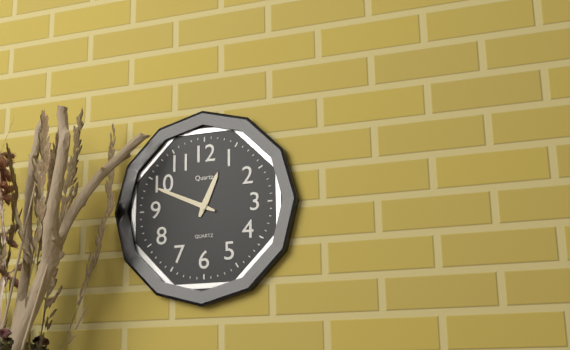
12:49
